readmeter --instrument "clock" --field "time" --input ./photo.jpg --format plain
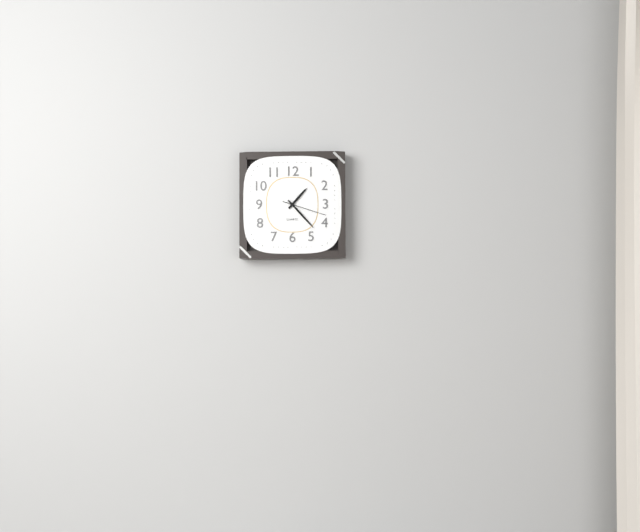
1:23
